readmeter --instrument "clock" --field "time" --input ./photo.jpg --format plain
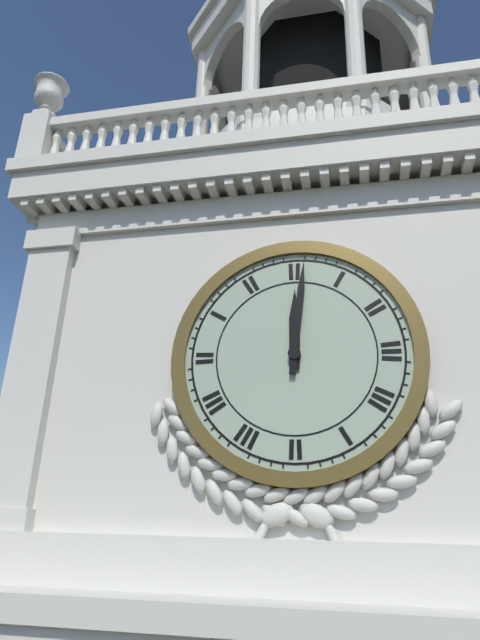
12:01
